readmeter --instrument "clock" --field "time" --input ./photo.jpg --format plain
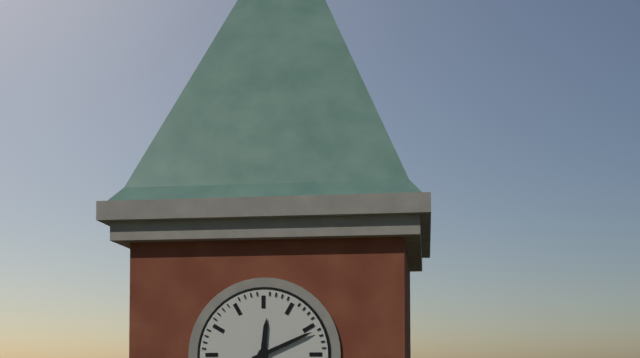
12:11
